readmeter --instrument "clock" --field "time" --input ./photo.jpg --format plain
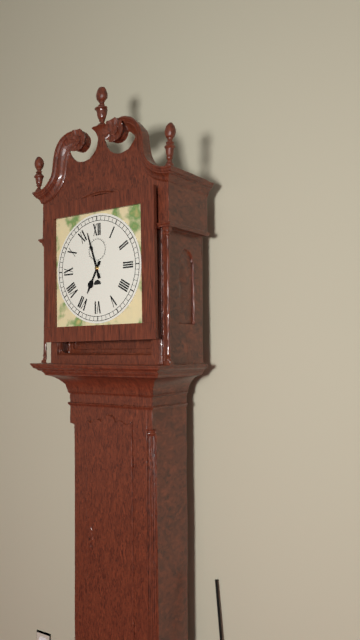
6:57
